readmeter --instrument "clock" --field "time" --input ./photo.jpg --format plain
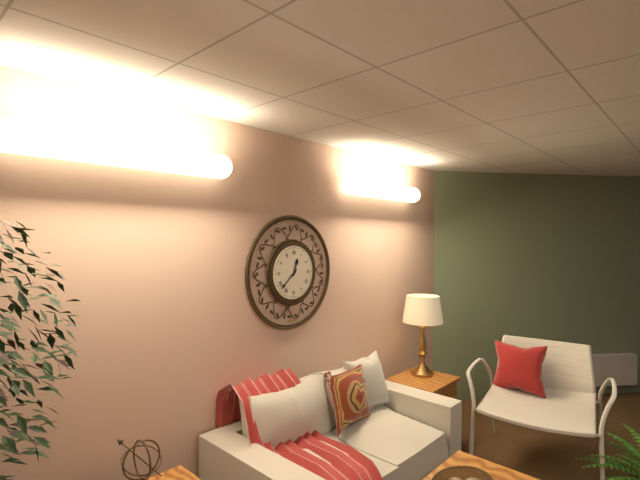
12:38
